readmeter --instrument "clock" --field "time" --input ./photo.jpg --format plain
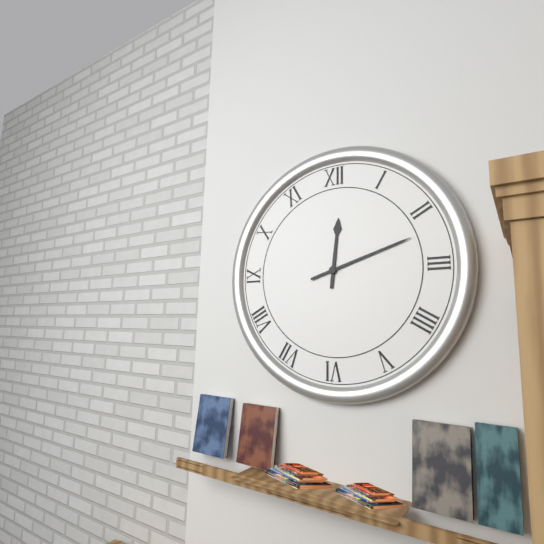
12:12
